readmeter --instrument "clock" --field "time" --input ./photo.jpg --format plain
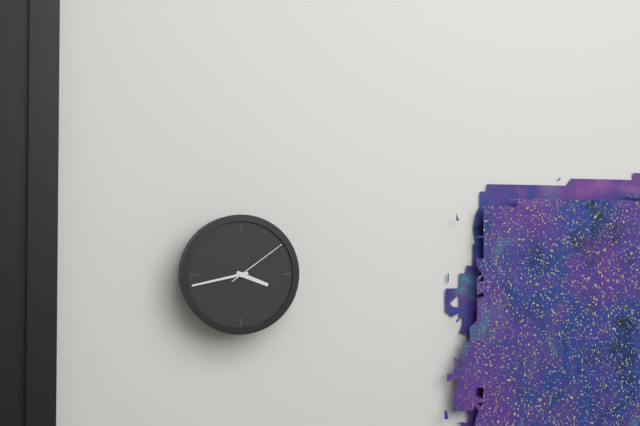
3:43:09
